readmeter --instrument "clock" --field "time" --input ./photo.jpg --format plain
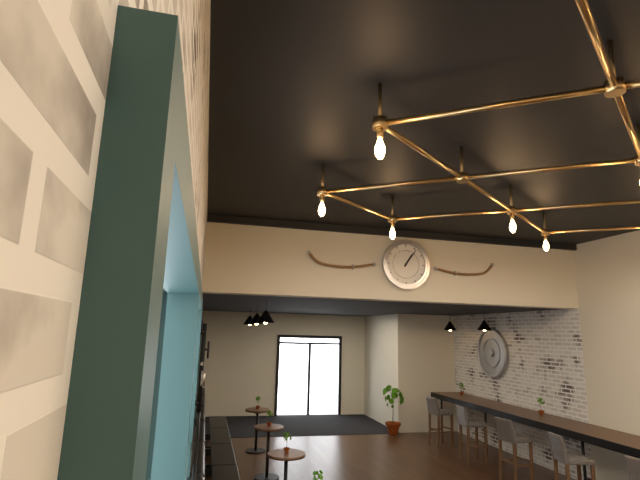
1:06
